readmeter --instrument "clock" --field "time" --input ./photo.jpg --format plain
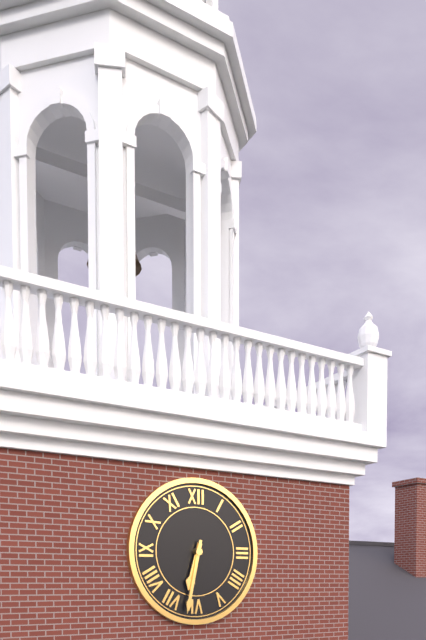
6:32
